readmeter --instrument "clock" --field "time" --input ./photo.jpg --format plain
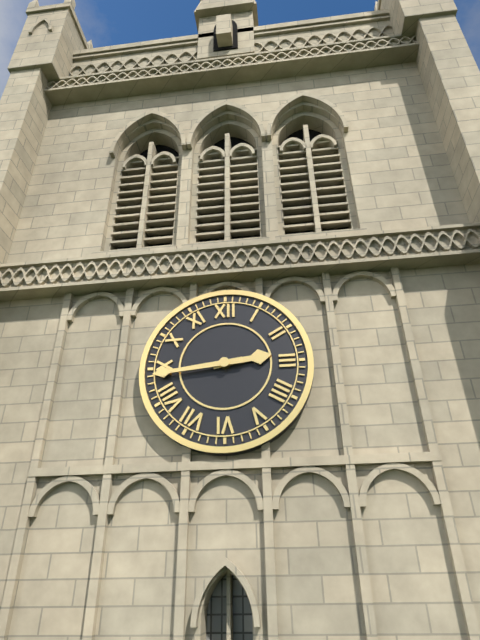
2:44
